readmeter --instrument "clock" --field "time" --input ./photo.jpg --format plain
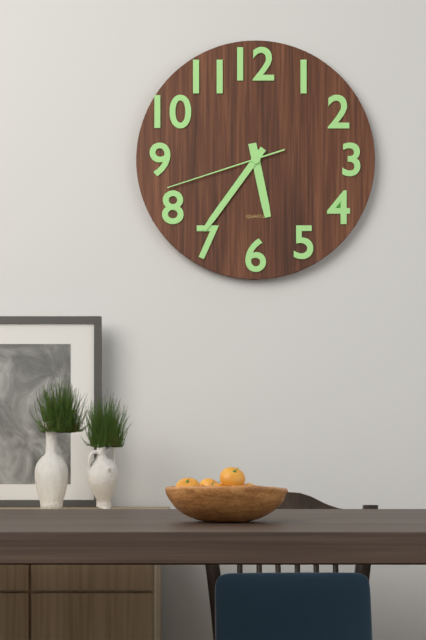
5:36:42
